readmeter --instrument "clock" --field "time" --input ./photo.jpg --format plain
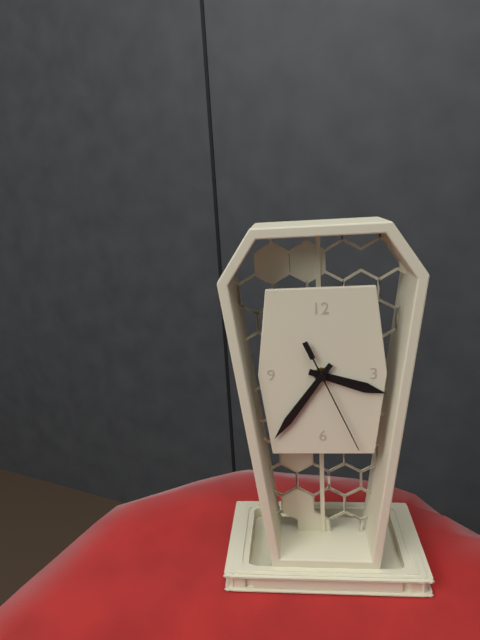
3:36:26
